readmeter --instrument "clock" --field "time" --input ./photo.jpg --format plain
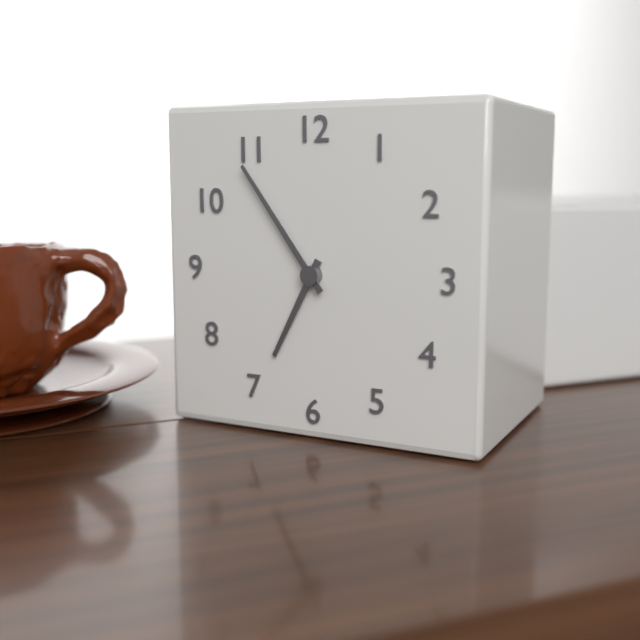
6:54
